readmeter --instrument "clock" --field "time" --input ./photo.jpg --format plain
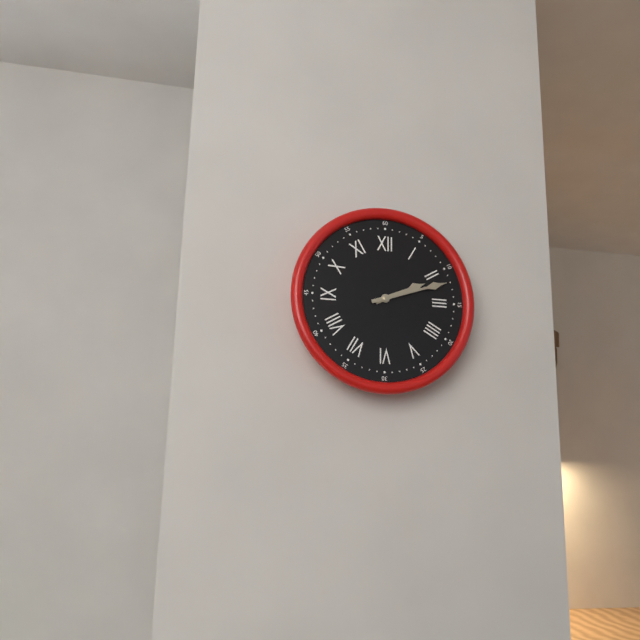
2:12
